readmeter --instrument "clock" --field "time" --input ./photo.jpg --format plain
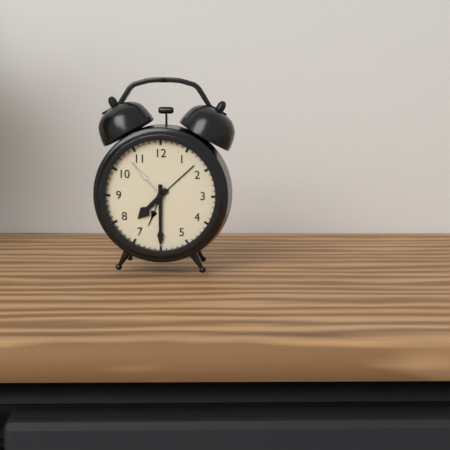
7:30
